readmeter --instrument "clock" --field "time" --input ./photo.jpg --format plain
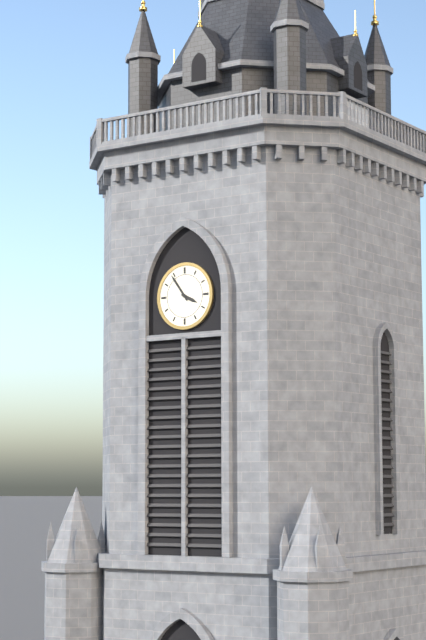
3:54
